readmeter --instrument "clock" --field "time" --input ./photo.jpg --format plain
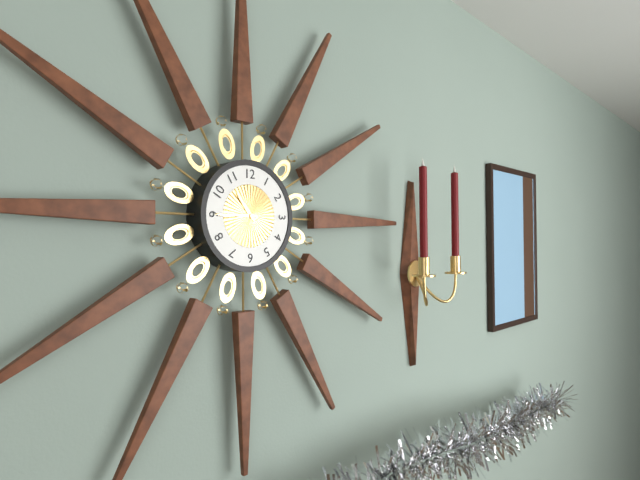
10:45
